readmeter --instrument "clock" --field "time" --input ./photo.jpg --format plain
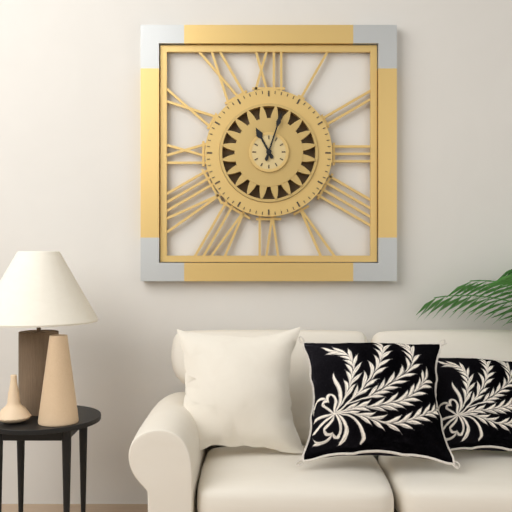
11:03
